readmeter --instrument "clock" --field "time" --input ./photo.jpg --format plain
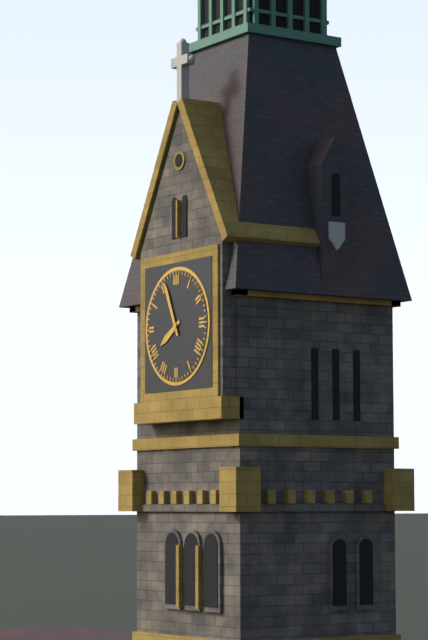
7:56
